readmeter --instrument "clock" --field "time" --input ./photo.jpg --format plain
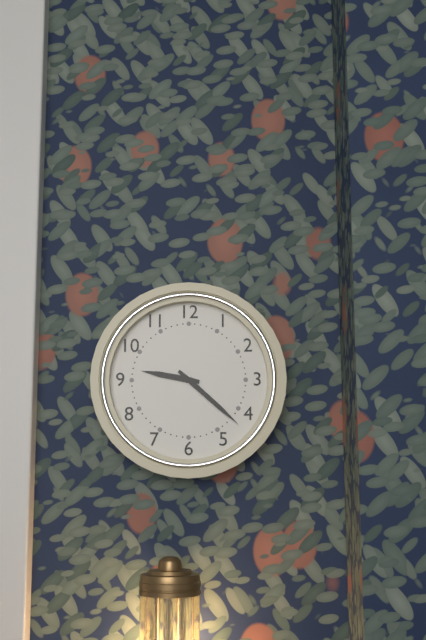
9:22
